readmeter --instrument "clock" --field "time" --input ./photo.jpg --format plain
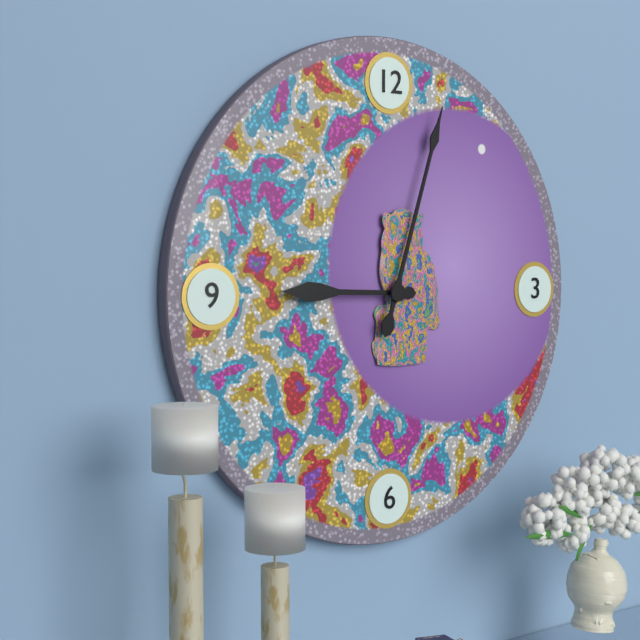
9:03
